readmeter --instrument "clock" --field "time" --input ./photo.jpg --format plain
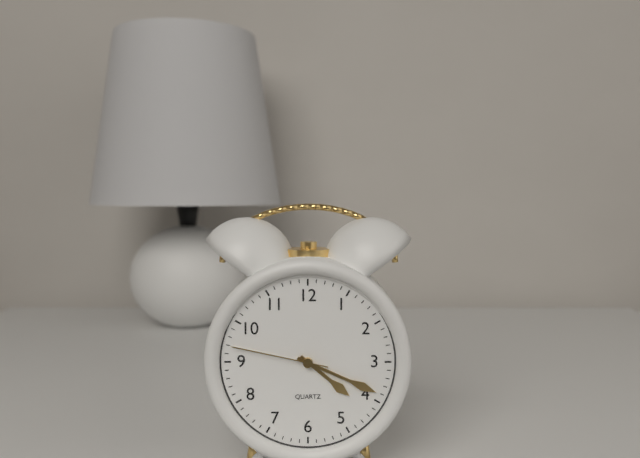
4:19:47
